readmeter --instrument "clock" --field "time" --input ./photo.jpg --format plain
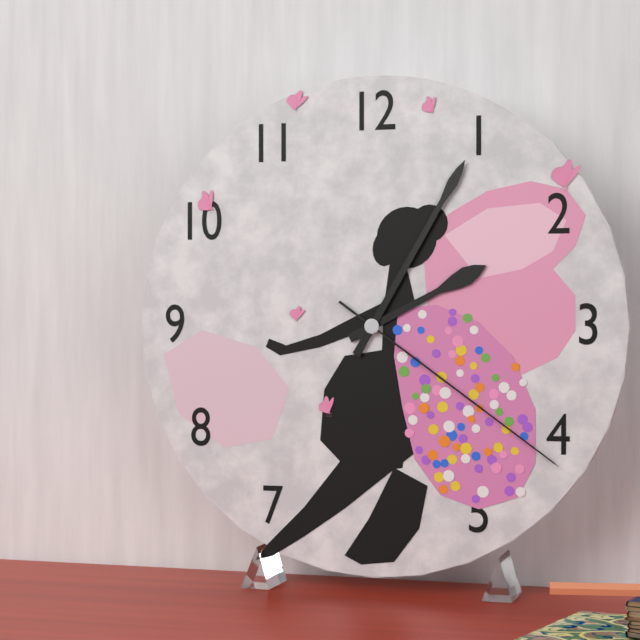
2:05:21
